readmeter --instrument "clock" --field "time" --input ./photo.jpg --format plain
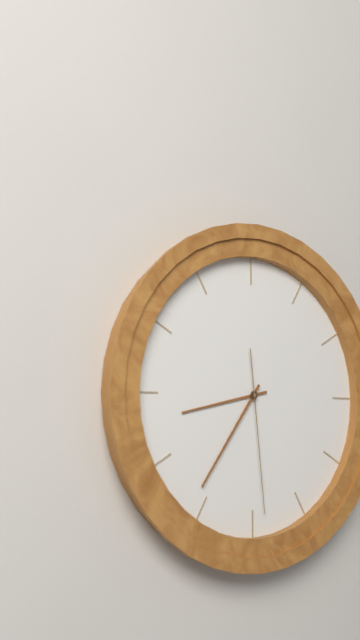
8:36:29
